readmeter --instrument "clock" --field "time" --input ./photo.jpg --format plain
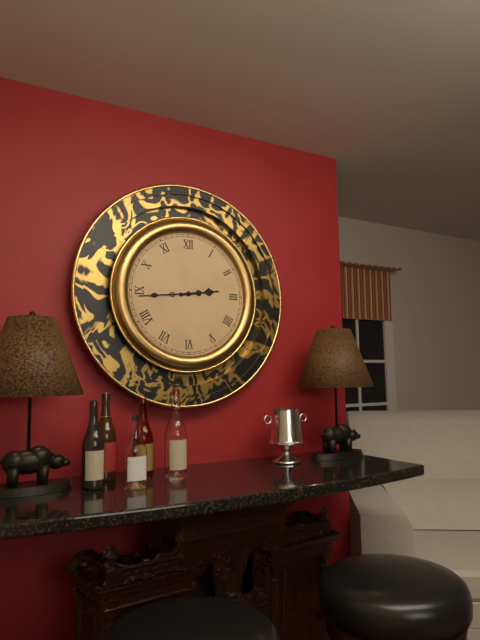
2:44
